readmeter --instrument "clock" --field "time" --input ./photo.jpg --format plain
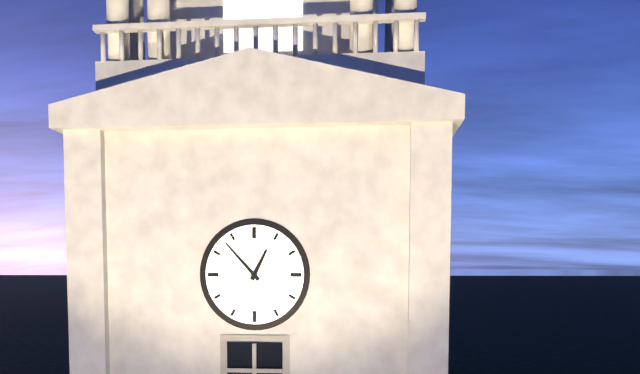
12:53
